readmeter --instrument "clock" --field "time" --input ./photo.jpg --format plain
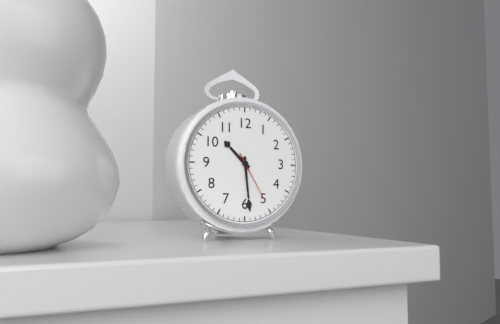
10:29
